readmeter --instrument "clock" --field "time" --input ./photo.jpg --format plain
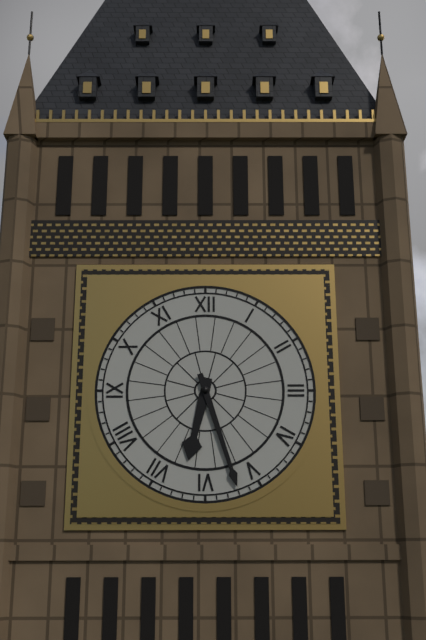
6:27
